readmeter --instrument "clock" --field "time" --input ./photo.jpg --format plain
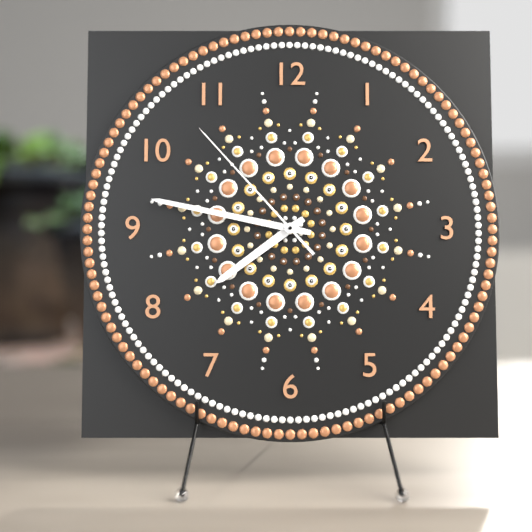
7:47:53
